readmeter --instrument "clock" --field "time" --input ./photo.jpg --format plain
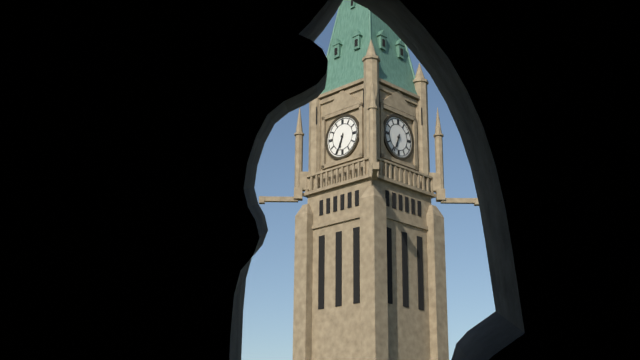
6:34
